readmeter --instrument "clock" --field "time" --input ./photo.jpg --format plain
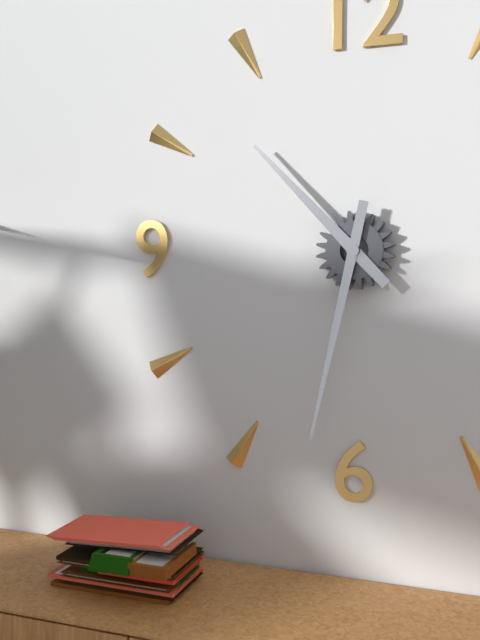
10:32
